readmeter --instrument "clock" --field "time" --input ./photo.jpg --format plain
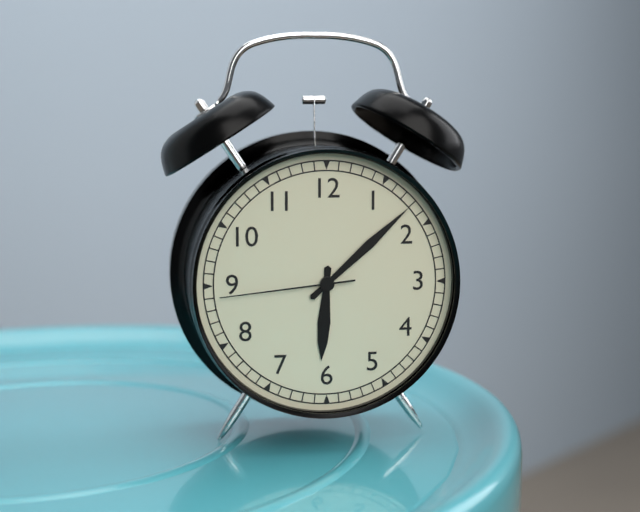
6:08:44
